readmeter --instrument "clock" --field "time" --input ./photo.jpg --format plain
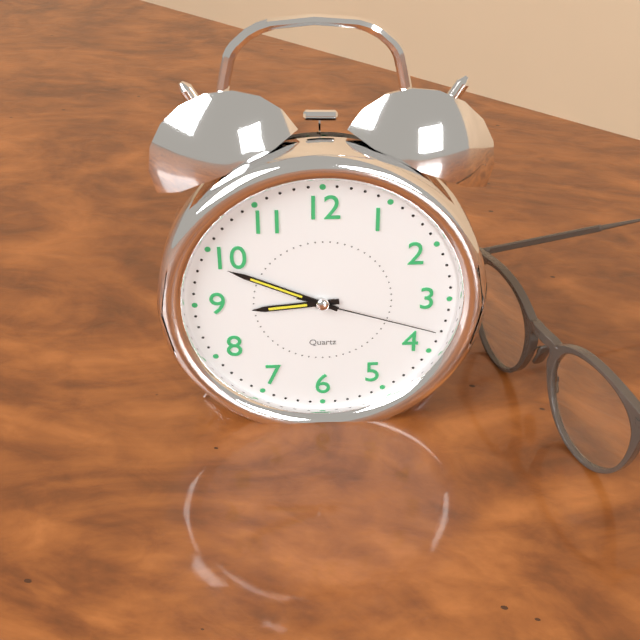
8:49:18
